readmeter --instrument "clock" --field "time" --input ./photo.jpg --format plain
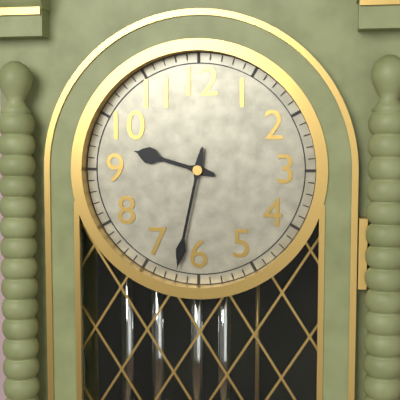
9:32
